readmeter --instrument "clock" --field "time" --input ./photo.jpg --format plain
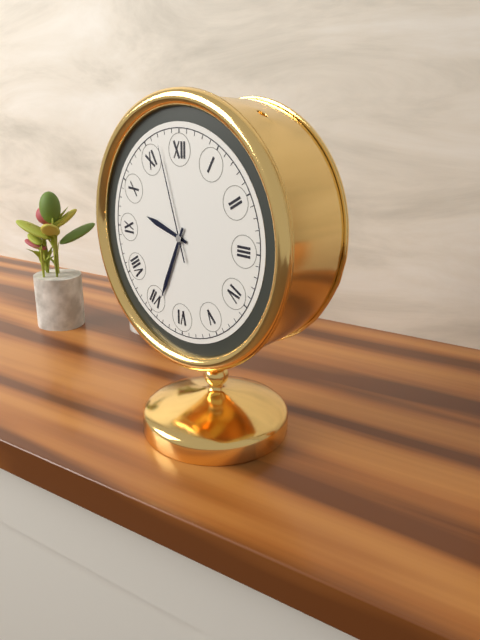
9:34:57
